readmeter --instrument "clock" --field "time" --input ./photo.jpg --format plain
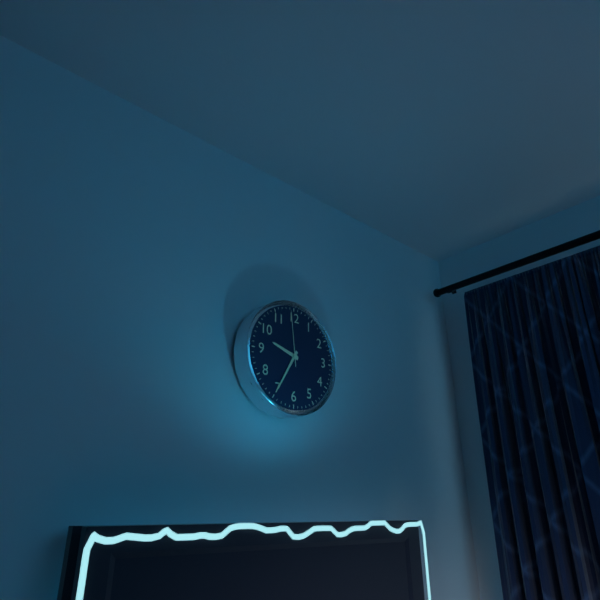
9:35:59
